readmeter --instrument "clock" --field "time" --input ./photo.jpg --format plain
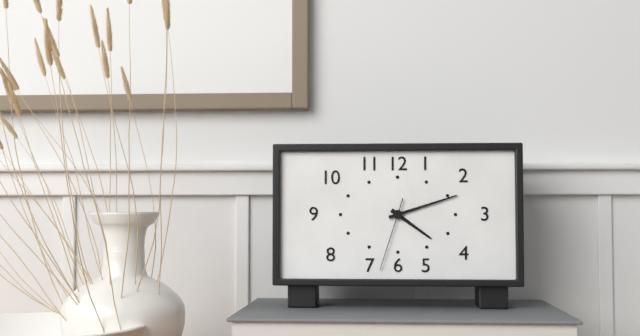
4:12:33
